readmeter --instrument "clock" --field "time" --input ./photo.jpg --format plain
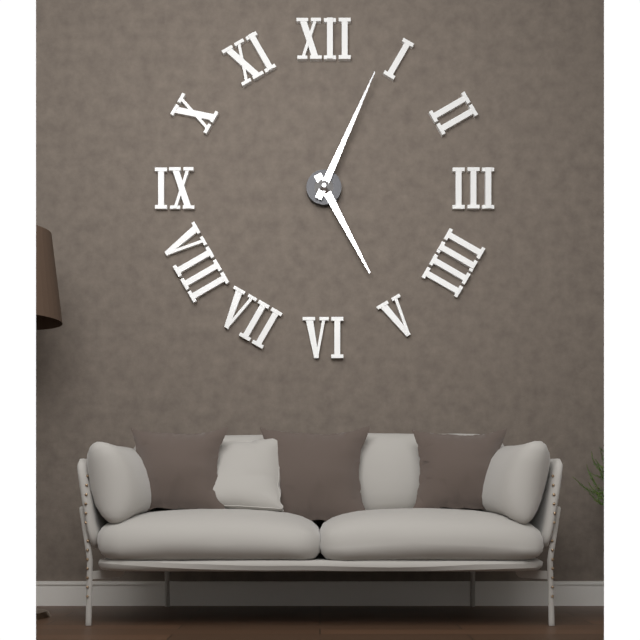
5:04
